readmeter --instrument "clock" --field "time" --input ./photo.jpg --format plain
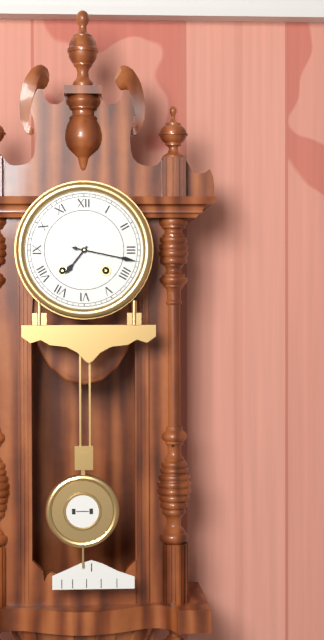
7:17
